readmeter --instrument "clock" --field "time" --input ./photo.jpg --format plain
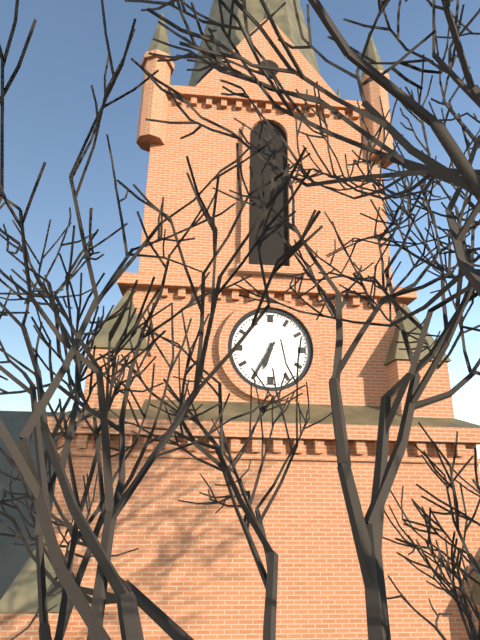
6:35
